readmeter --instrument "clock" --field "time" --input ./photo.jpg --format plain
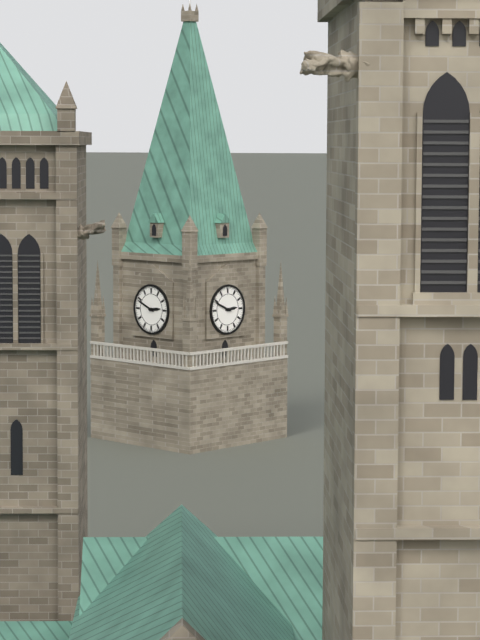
2:49
